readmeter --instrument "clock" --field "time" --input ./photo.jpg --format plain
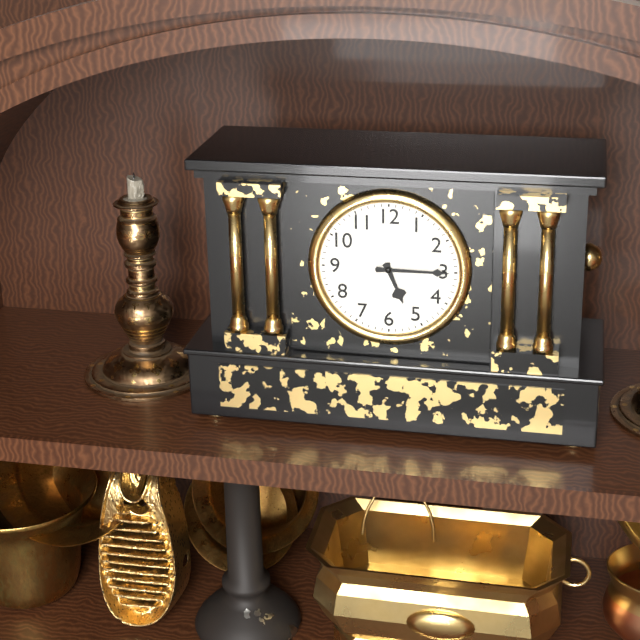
5:15
